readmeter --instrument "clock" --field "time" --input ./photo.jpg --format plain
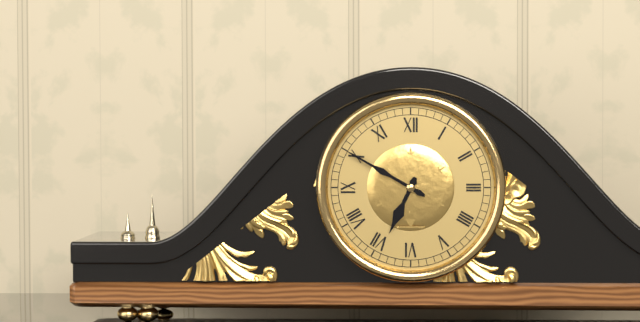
6:50
